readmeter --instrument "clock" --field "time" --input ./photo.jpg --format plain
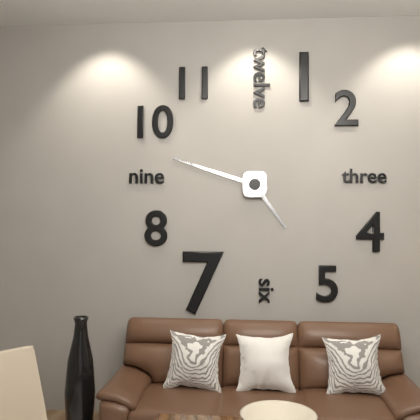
4:48
